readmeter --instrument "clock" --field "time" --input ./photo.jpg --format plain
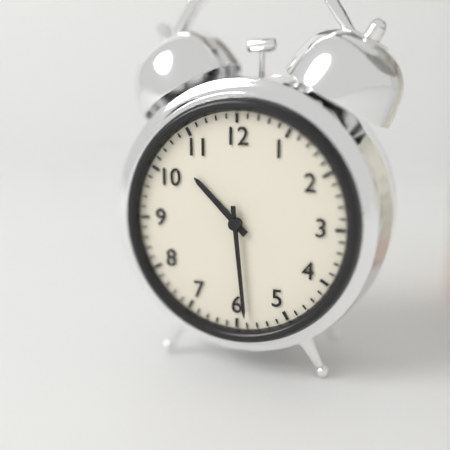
10:29
